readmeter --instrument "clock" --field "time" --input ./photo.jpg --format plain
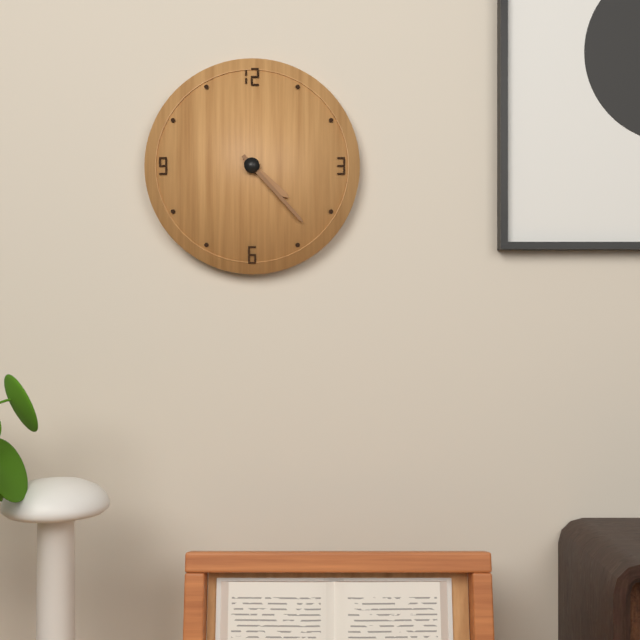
4:23
